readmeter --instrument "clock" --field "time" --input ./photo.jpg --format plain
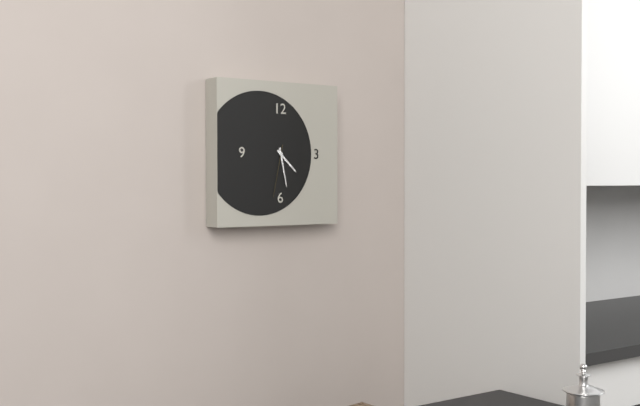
4:28:32
